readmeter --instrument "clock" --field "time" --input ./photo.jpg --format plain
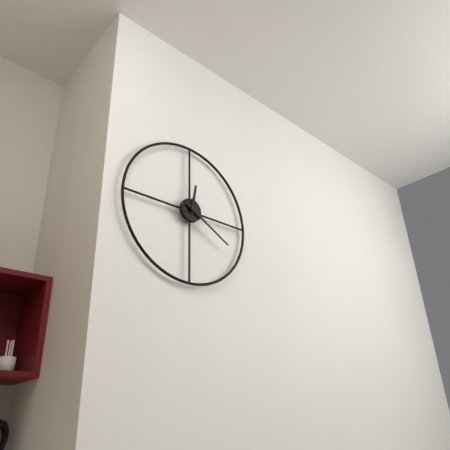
12:20
